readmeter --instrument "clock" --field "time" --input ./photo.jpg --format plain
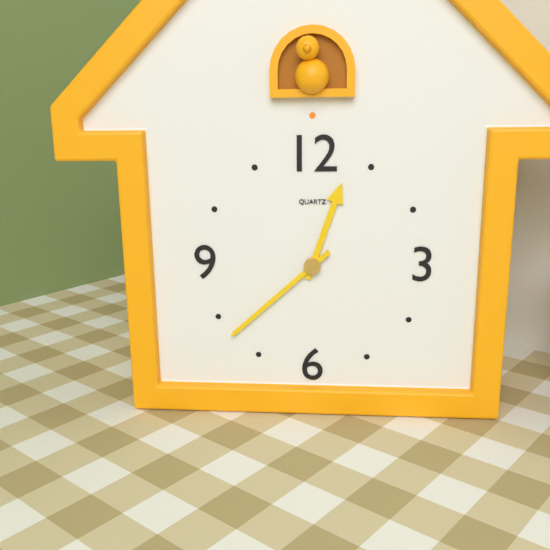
12:38
